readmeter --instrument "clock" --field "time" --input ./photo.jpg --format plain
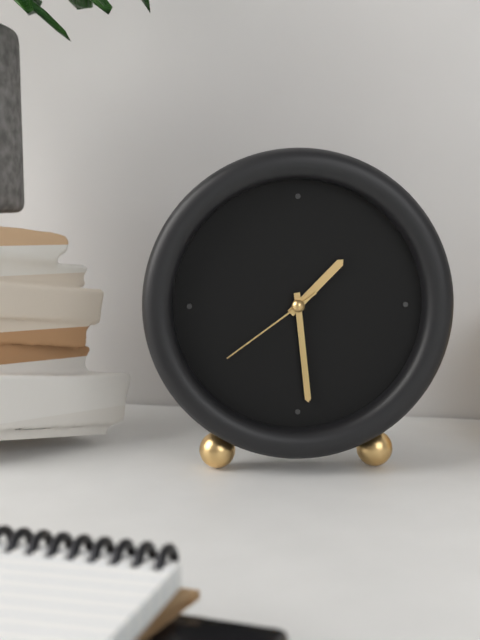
1:29:39
